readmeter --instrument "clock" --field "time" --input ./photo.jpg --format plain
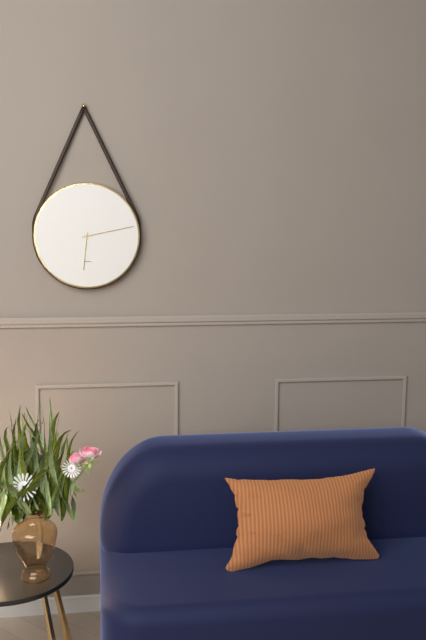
6:13
